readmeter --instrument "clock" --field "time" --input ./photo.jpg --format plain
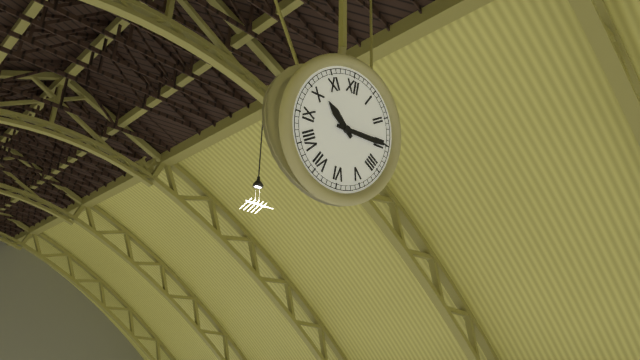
10:15
